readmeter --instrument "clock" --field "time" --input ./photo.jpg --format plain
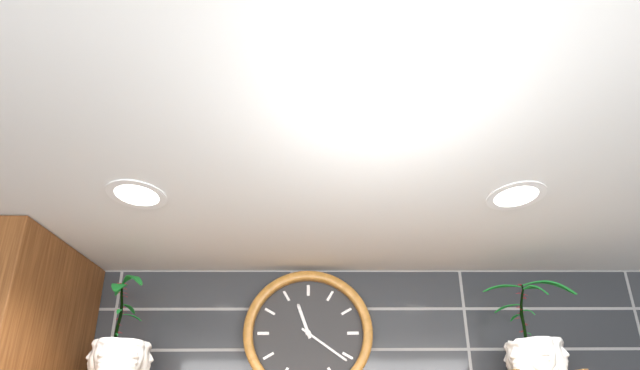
11:21
